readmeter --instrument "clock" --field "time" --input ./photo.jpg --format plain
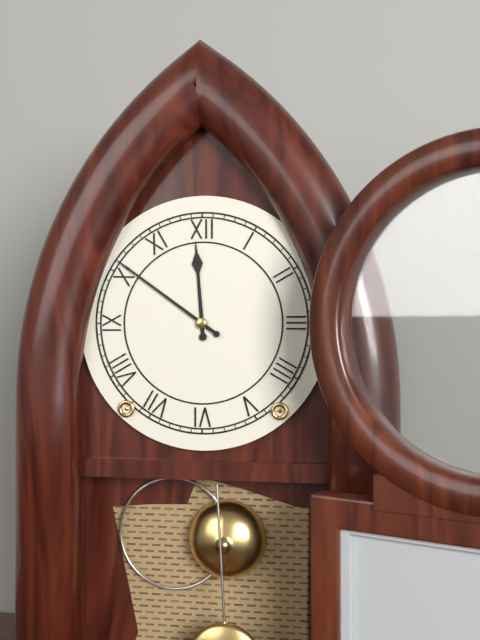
11:51
